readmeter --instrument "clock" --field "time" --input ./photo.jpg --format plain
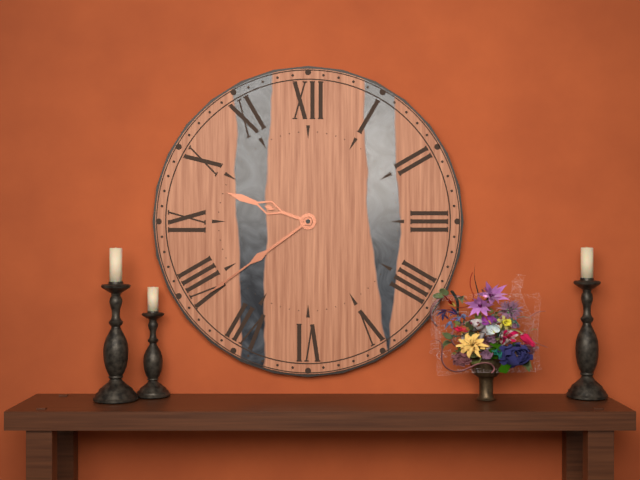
9:39
